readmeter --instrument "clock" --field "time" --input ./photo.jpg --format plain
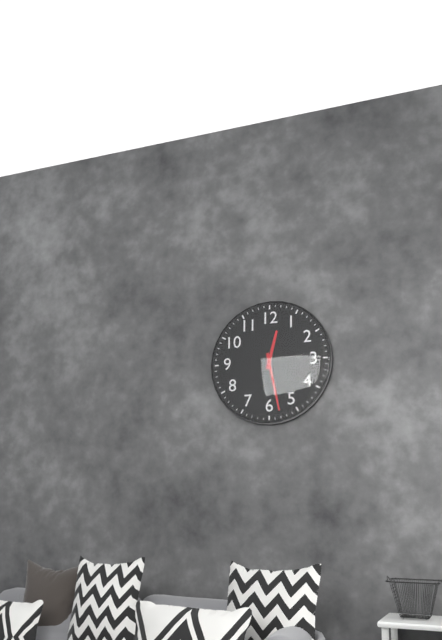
12:28
